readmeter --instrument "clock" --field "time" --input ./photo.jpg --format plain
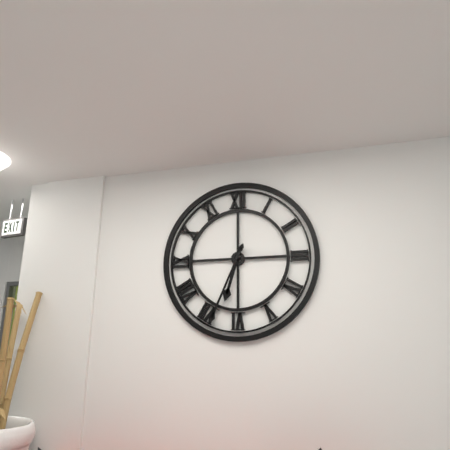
6:34
